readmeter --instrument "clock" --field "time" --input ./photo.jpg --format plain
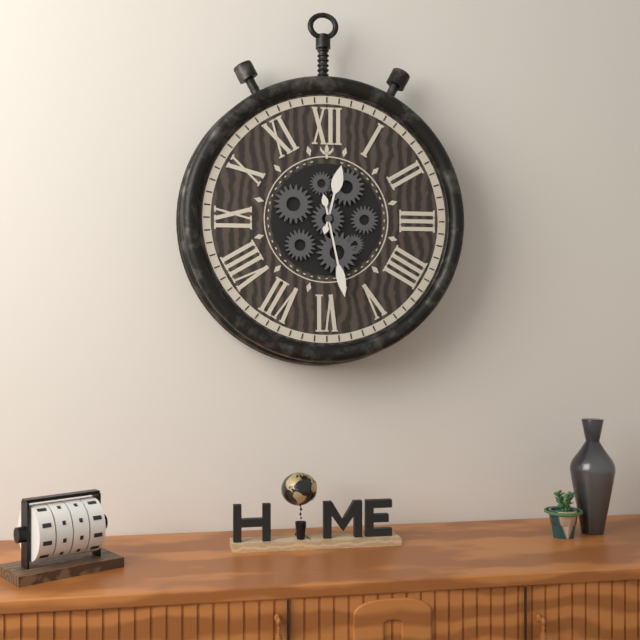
12:28
